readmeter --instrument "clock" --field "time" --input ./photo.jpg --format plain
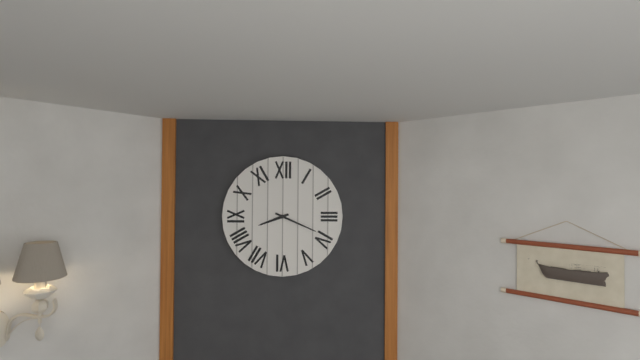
8:19
